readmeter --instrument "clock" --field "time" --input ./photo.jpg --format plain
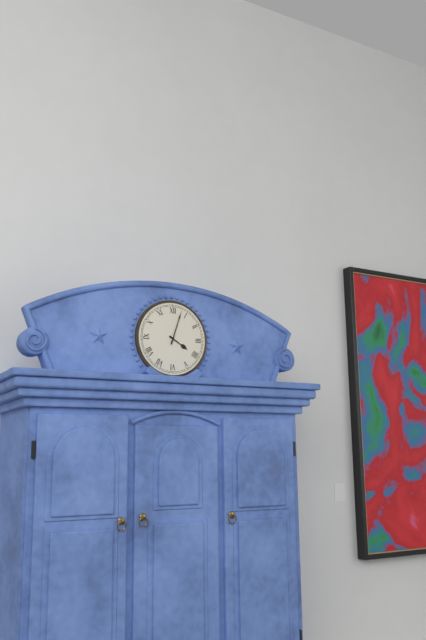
4:03
